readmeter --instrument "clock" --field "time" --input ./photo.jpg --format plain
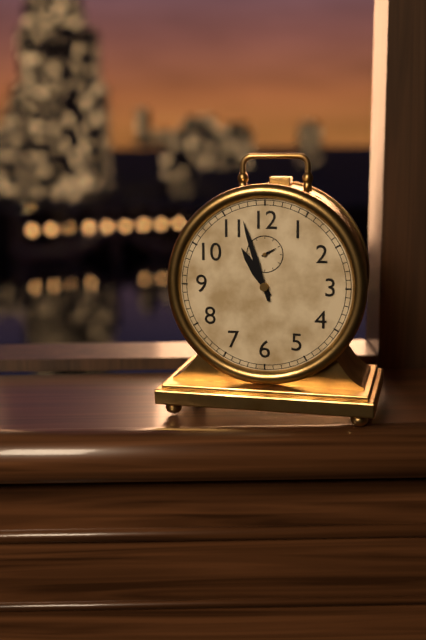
10:57
